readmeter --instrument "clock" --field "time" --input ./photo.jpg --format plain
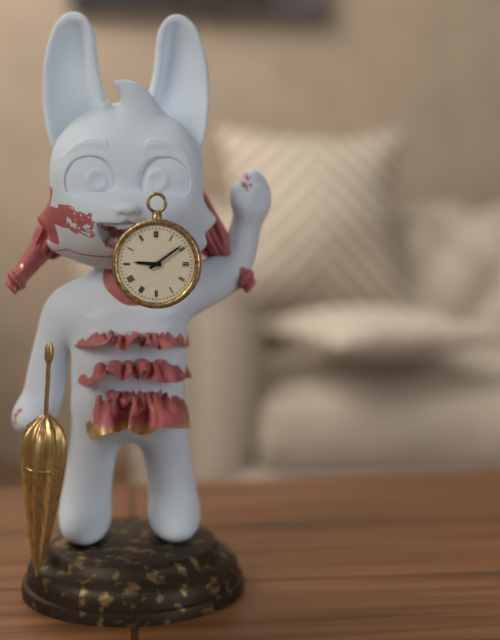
9:09
